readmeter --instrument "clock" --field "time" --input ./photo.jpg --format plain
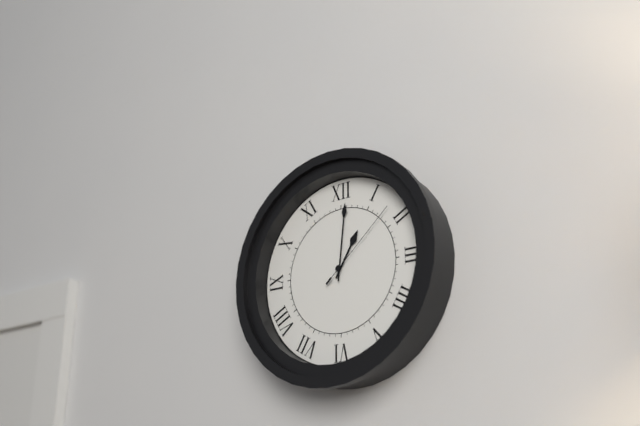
1:01:08
